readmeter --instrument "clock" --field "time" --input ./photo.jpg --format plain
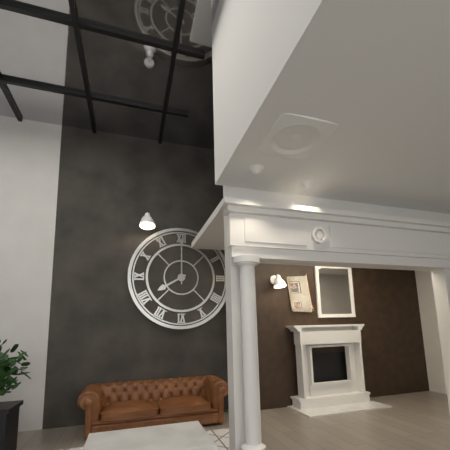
8:00
